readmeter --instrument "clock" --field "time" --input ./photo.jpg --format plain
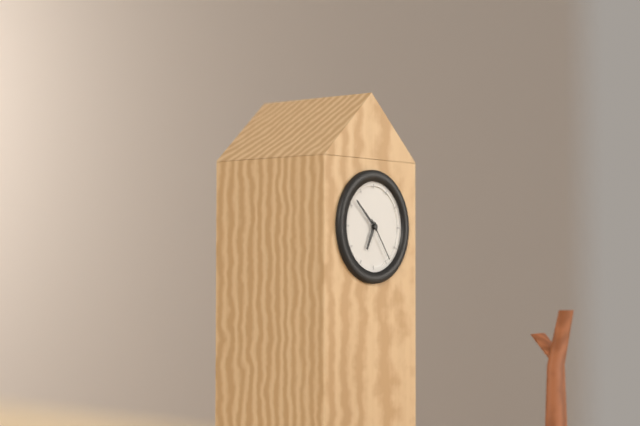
6:52
